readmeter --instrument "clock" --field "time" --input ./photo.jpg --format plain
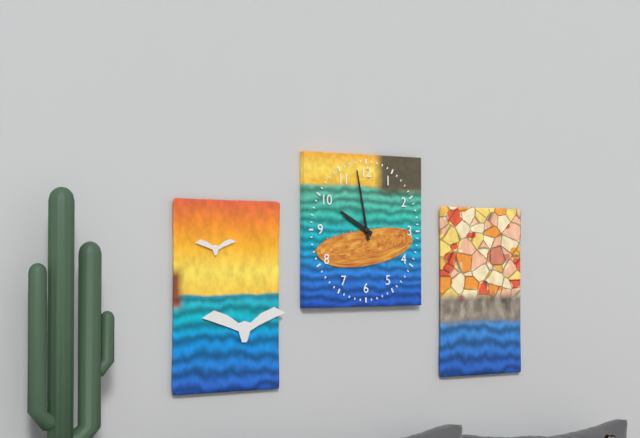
9:58
